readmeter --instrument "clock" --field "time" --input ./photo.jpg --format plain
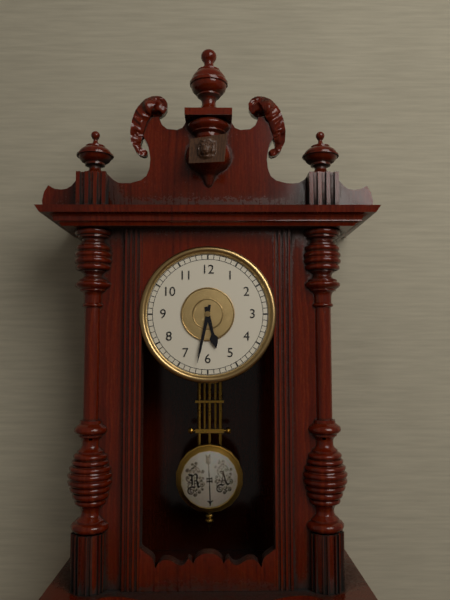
5:32
